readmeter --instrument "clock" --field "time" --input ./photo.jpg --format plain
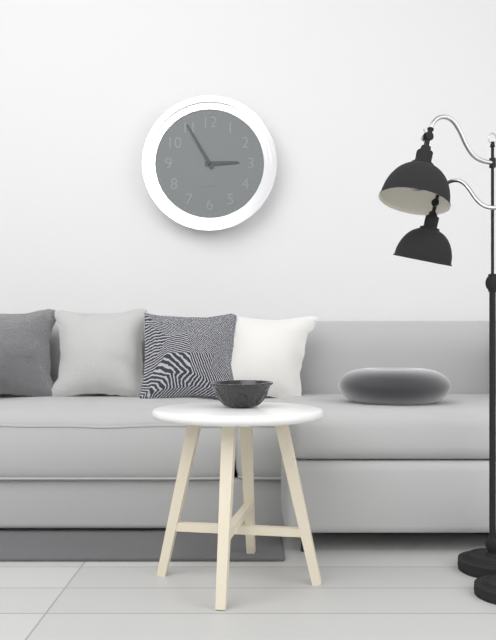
2:55
